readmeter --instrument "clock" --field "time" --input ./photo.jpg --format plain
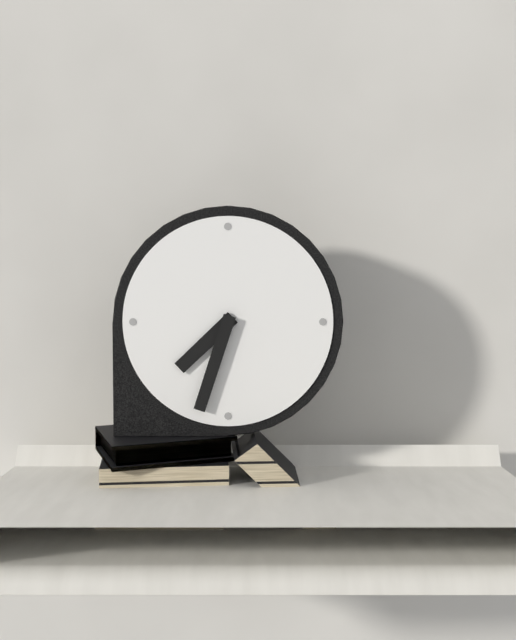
7:33
